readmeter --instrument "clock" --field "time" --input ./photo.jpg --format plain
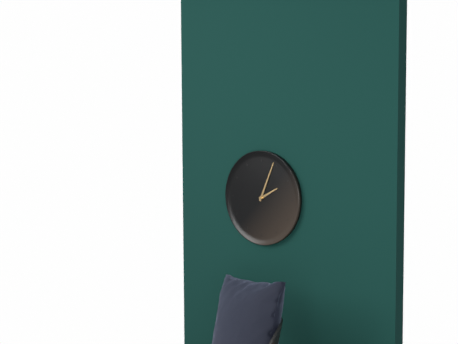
2:04
